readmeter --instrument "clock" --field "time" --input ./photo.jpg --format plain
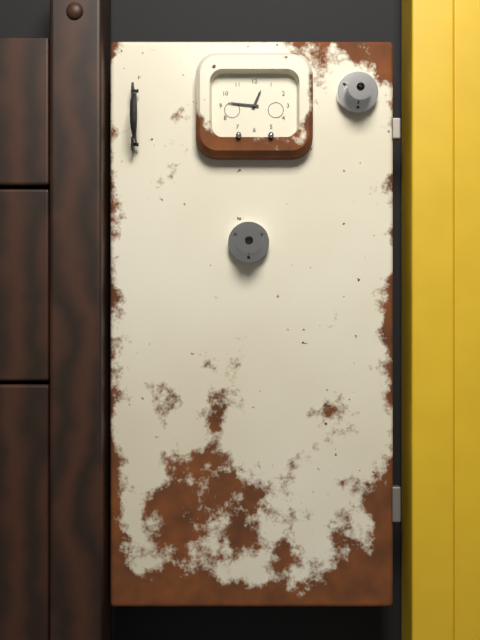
12:46
